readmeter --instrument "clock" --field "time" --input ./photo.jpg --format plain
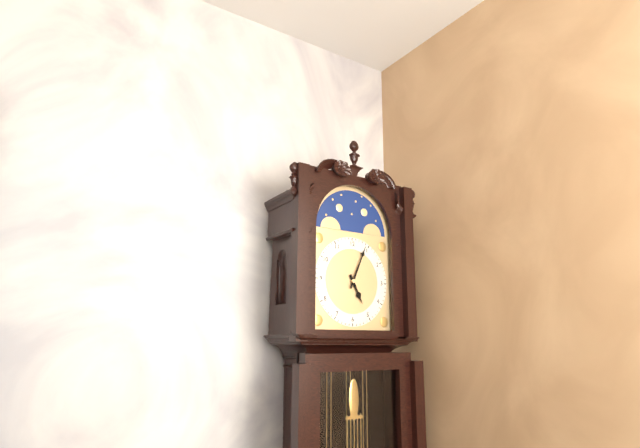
5:04
